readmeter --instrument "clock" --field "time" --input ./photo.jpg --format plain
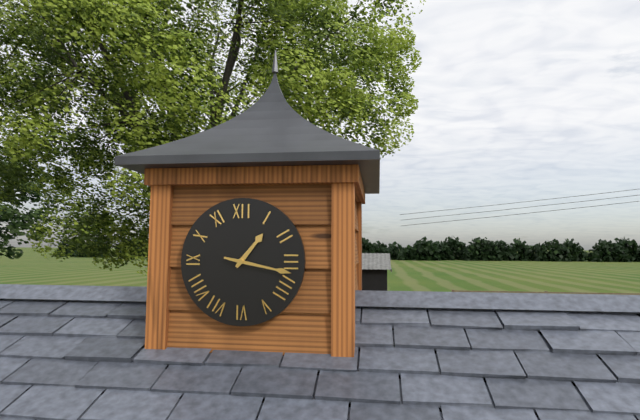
1:17
